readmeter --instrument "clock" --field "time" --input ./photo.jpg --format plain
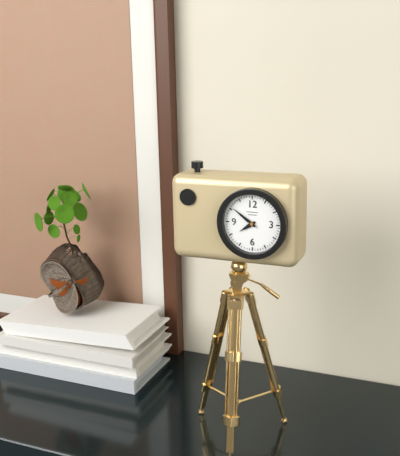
7:51
